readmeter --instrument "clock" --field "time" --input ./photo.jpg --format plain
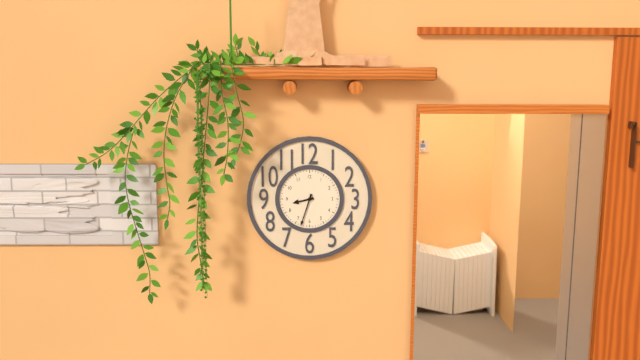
8:33
